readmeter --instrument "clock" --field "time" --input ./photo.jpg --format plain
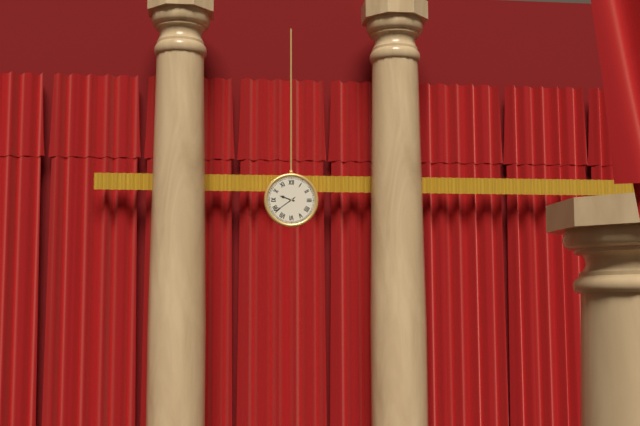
9:39
